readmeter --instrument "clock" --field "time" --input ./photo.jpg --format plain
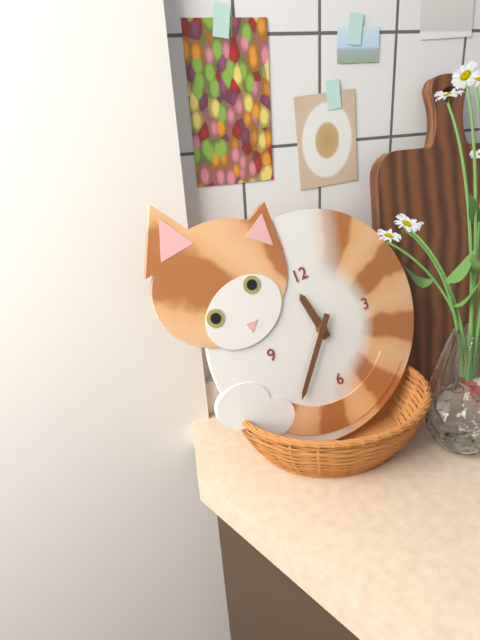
11:37
